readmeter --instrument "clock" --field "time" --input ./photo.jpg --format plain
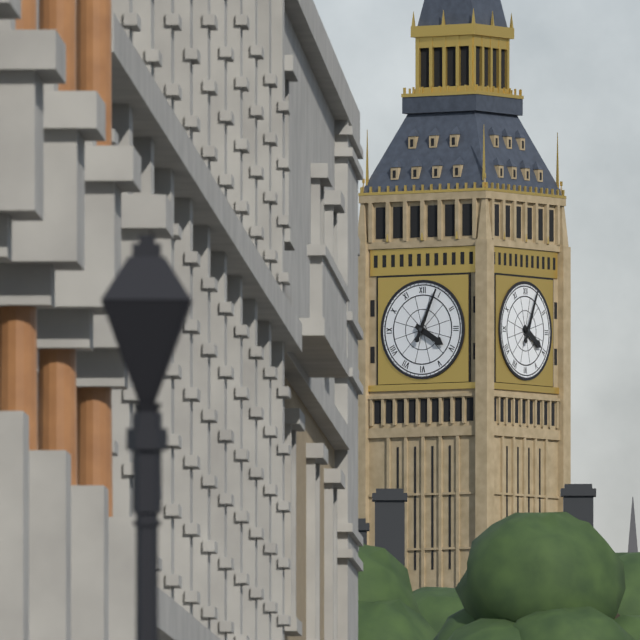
4:04
